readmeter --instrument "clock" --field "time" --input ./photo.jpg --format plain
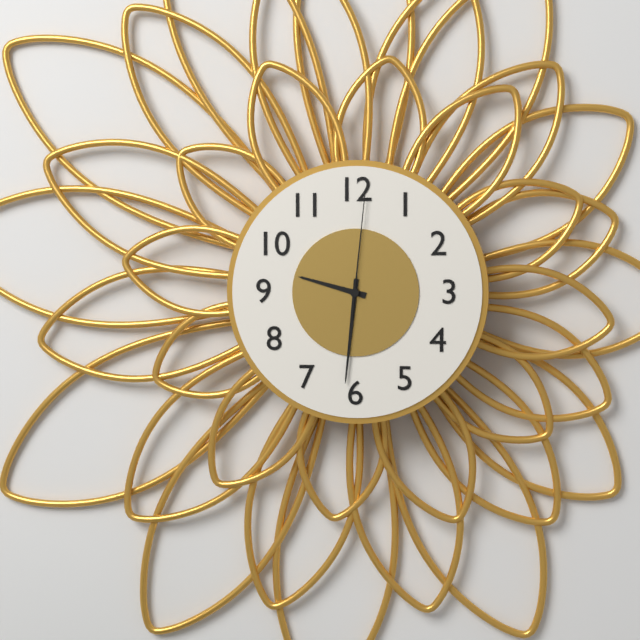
9:31:01
